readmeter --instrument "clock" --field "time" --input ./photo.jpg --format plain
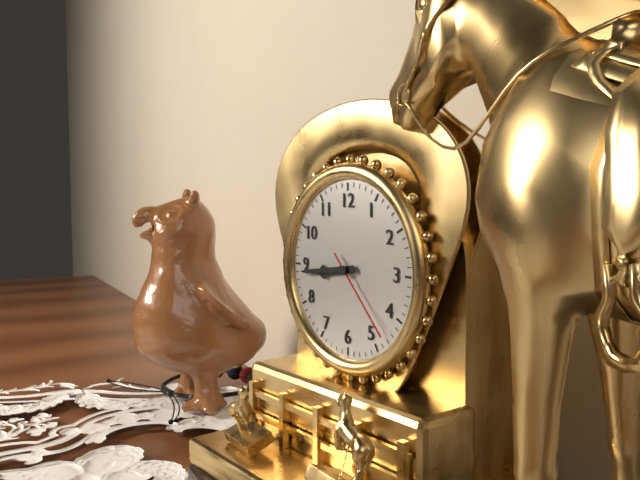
8:44:23
